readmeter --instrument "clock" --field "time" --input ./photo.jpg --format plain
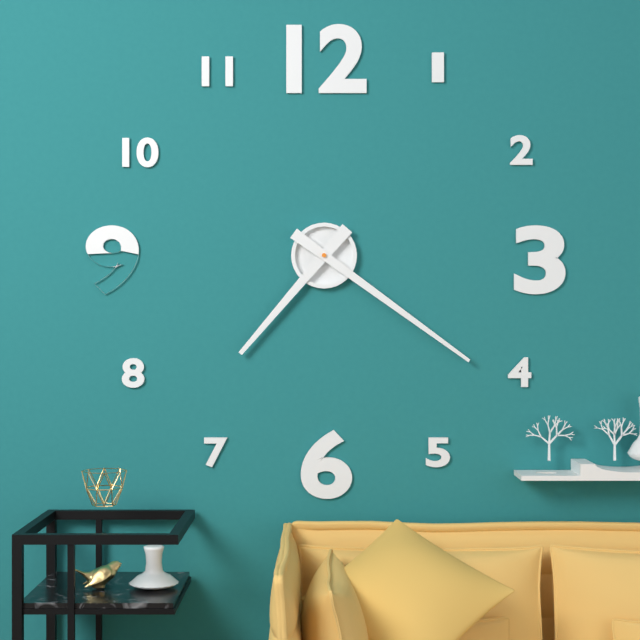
7:21
